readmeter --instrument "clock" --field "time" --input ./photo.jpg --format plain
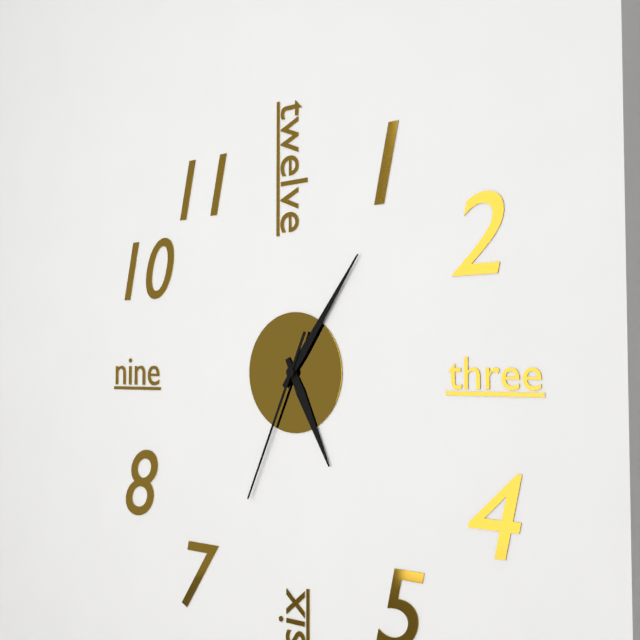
5:06:34
